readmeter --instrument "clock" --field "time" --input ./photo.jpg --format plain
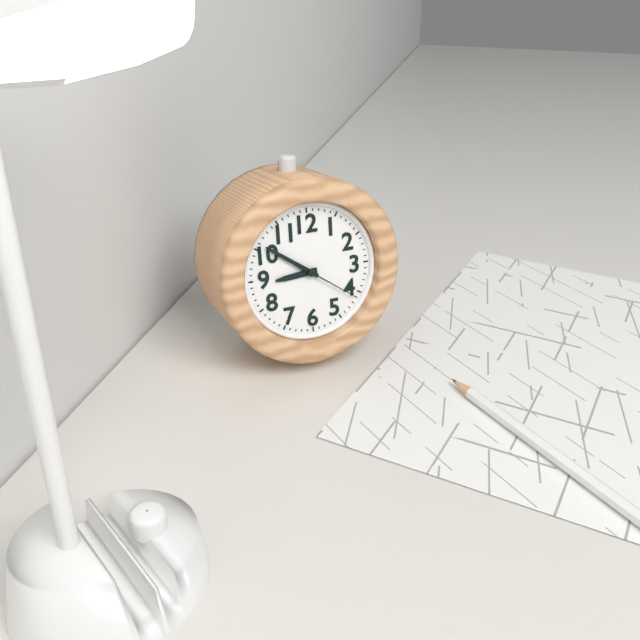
8:51:21
